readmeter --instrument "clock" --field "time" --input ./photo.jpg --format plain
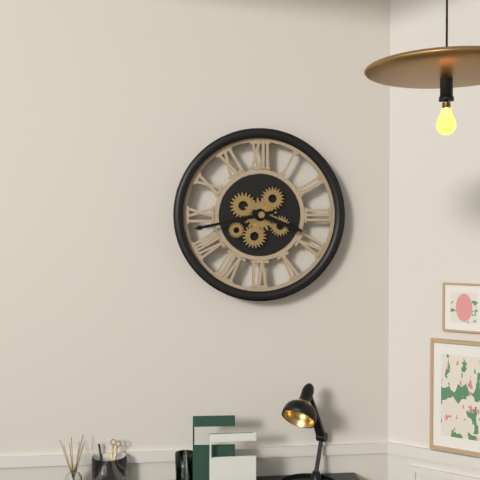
3:43
